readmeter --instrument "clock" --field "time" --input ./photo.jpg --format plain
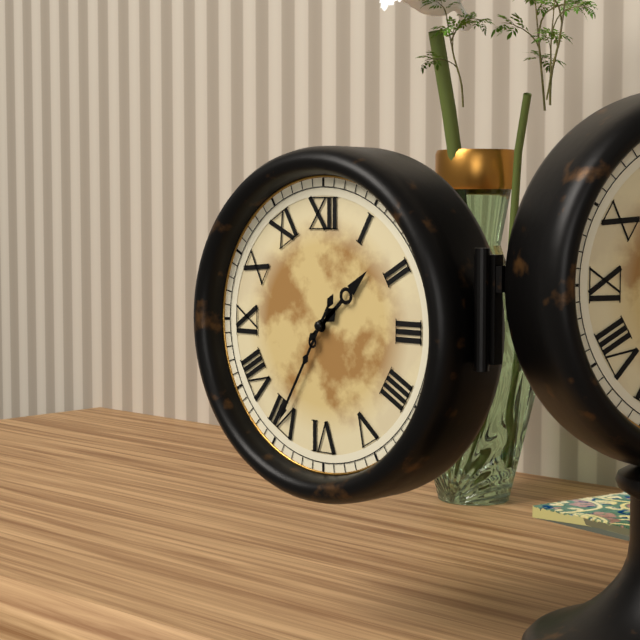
1:35
